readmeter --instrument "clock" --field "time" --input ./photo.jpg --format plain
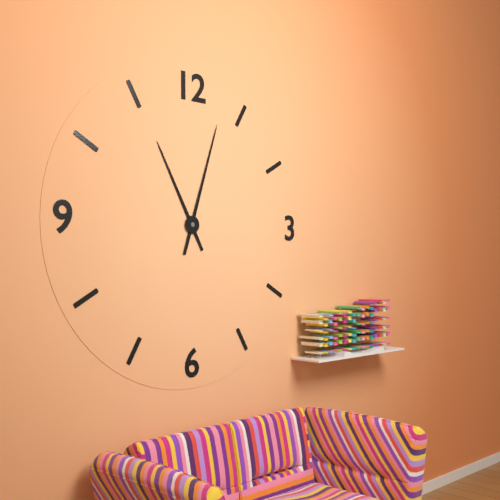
11:03
